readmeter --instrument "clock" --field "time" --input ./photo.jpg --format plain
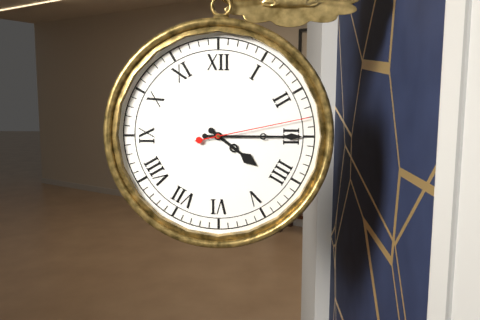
4:15:13
